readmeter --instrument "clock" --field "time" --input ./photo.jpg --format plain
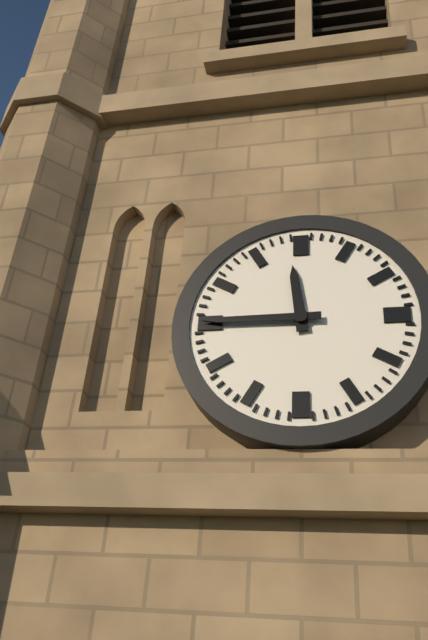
11:45
